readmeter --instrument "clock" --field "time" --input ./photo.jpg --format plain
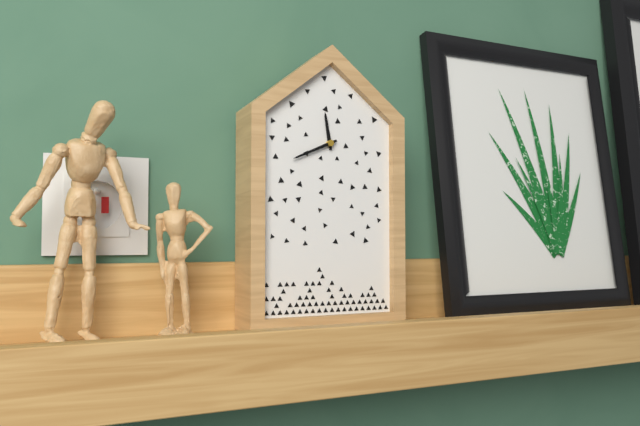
11:41
